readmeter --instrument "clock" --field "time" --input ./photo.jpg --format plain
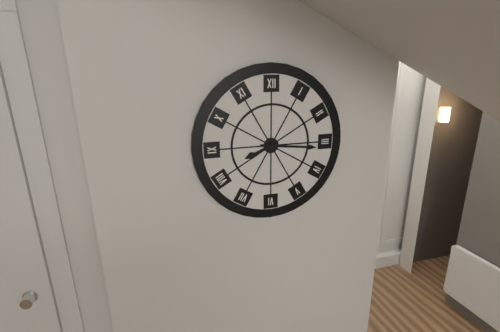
8:16
